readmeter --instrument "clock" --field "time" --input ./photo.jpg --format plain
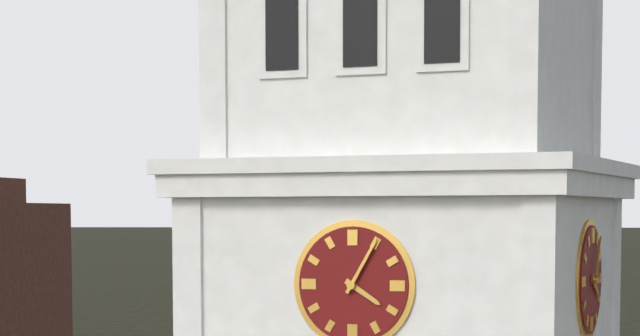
4:05
